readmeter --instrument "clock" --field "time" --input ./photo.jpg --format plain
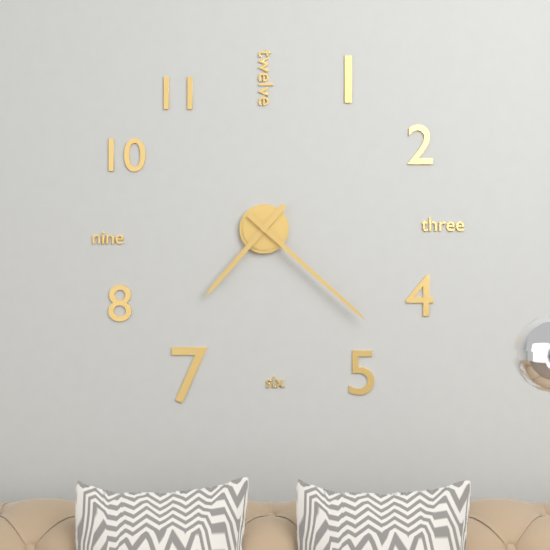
7:22
